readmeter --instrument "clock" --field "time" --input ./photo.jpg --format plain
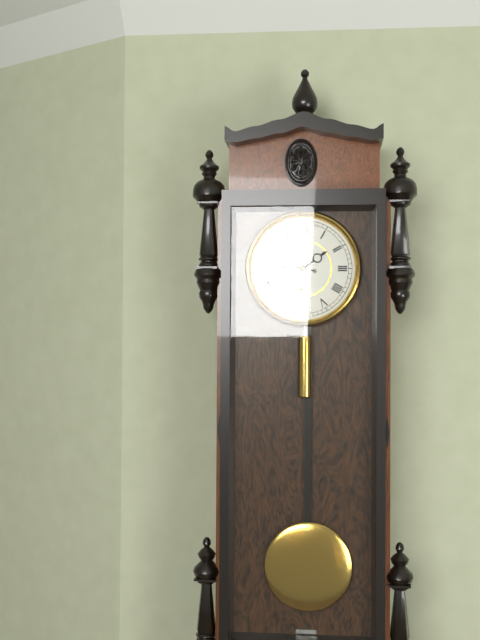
1:47
